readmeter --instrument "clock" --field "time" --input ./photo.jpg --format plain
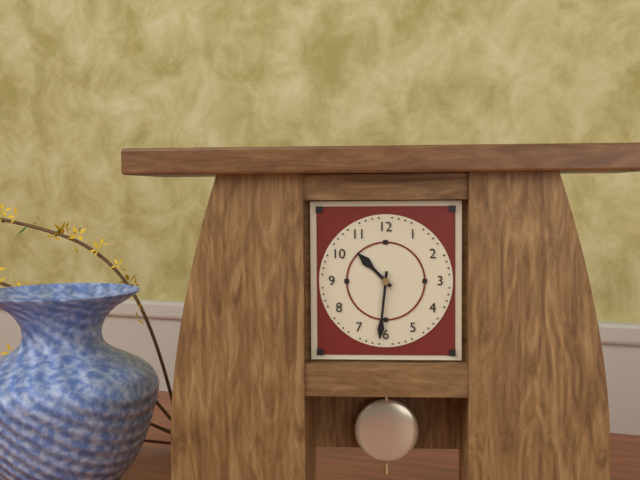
10:31
